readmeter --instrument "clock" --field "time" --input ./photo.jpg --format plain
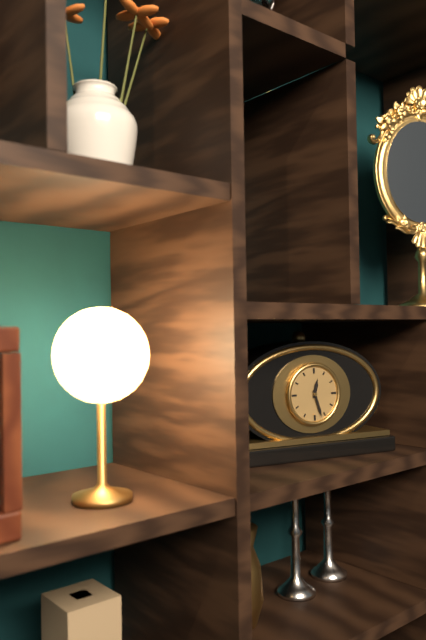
12:27
